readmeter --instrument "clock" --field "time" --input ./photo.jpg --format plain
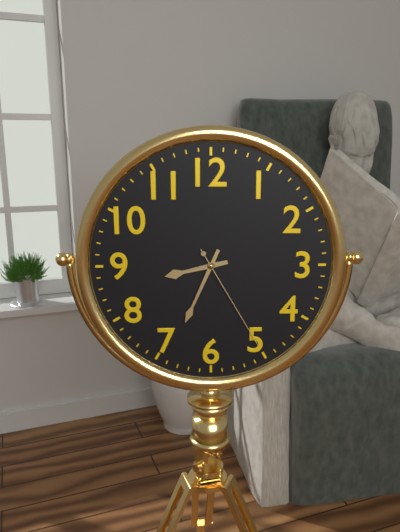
8:34:25
